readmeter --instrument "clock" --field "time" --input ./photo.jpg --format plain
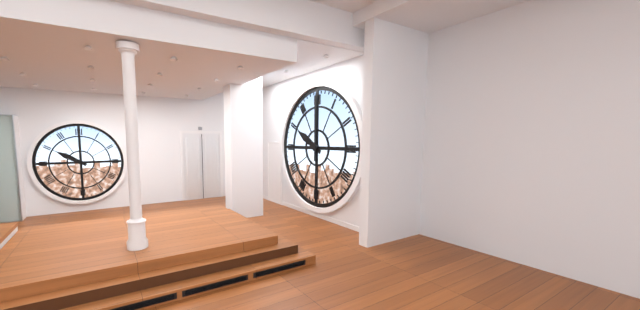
10:00
